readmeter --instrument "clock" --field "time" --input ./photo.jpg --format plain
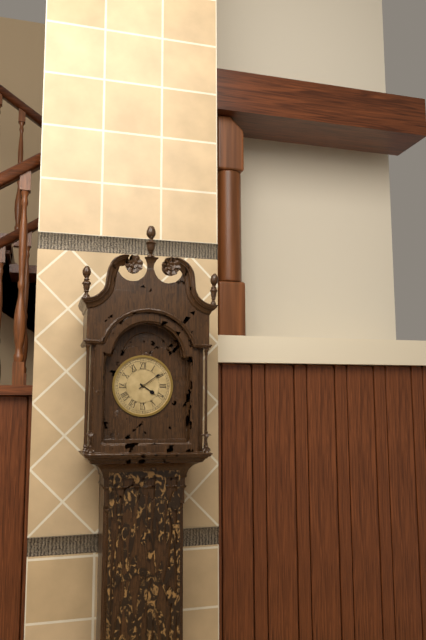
4:09
